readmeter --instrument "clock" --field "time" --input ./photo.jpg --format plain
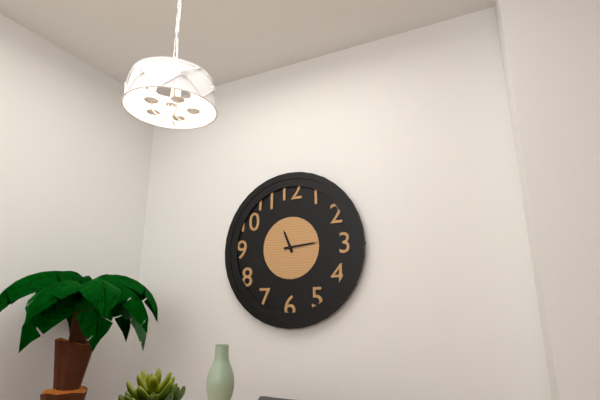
11:14
